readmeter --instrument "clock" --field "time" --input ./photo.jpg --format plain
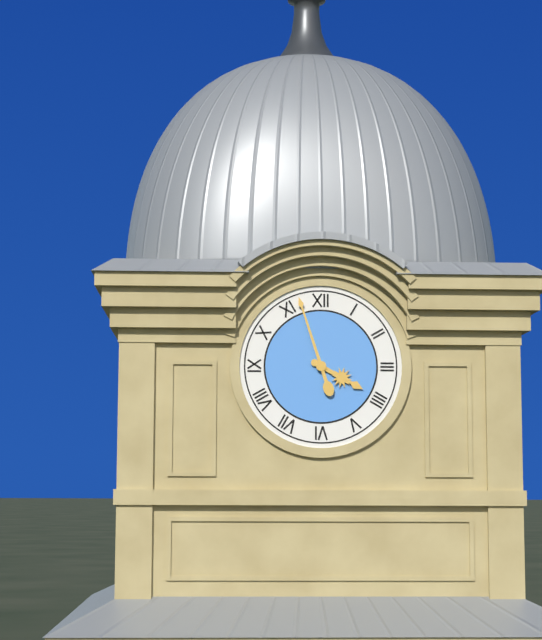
3:57
